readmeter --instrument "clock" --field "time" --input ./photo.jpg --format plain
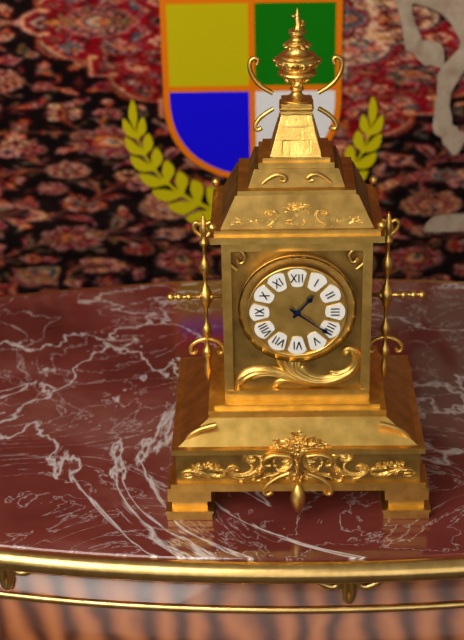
1:21
